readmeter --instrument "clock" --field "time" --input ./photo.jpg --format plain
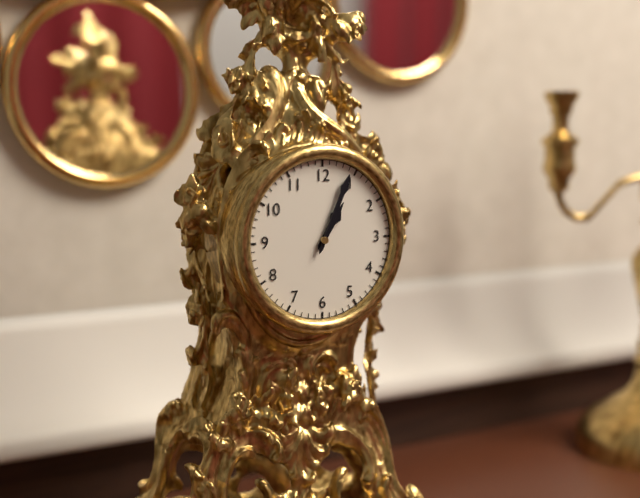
1:04
